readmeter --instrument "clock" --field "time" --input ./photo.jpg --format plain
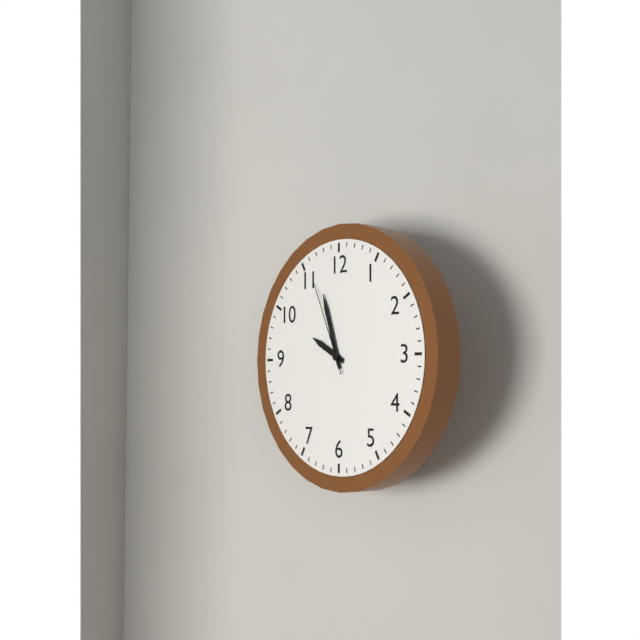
9:57:56
